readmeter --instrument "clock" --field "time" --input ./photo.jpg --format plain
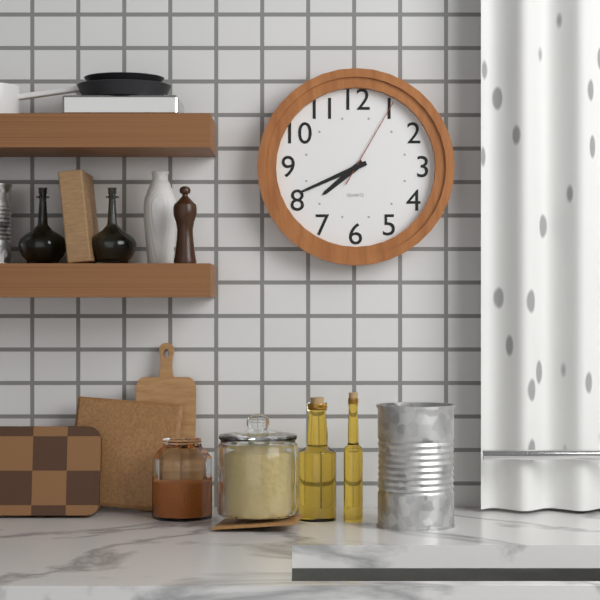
7:41:05
